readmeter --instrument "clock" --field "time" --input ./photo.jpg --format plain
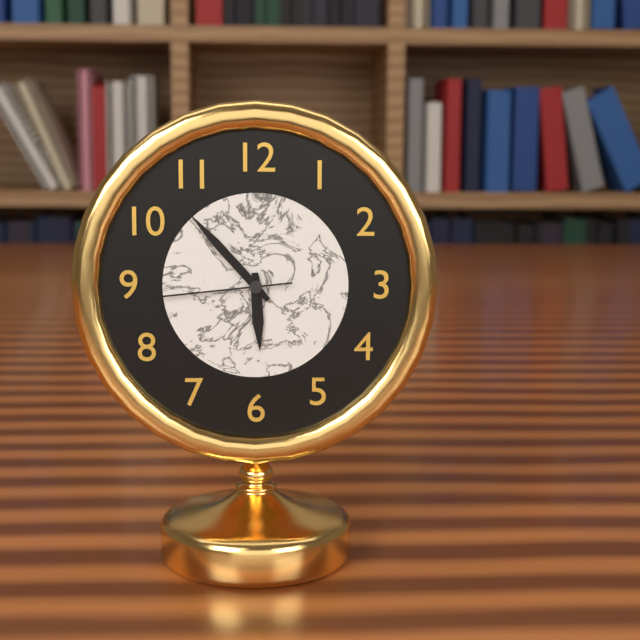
5:53:44
